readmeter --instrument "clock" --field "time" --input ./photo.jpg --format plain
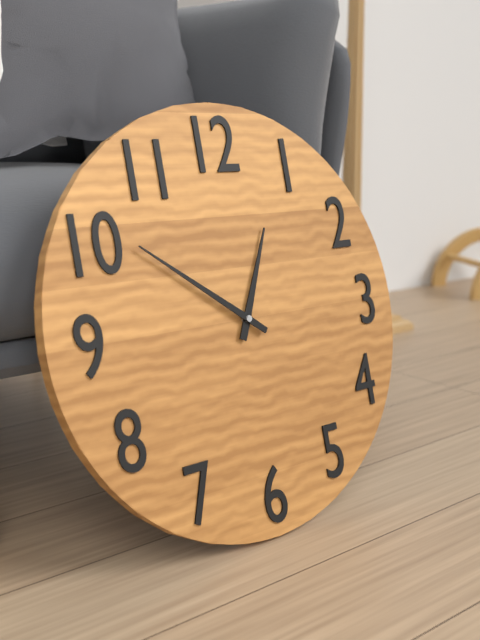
12:51
